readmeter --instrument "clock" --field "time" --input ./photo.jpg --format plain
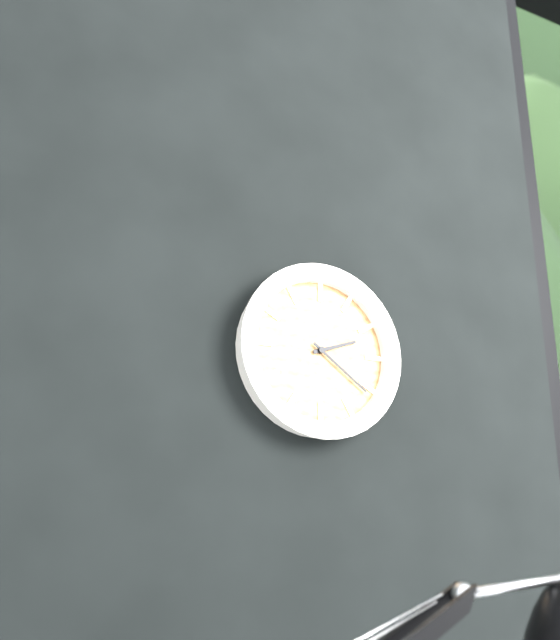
2:21
